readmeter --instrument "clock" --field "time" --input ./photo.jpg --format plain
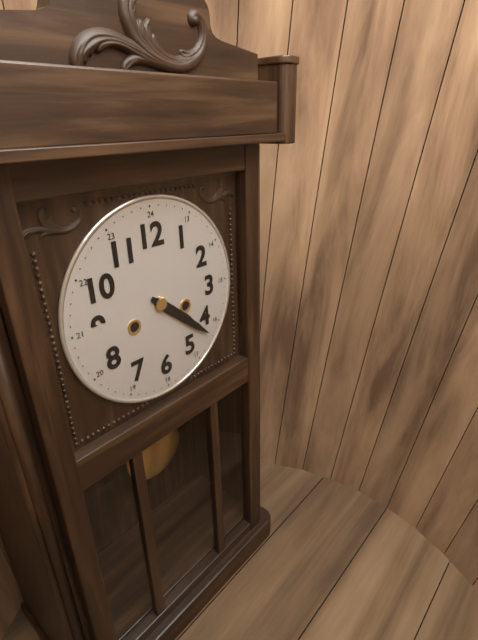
4:22
